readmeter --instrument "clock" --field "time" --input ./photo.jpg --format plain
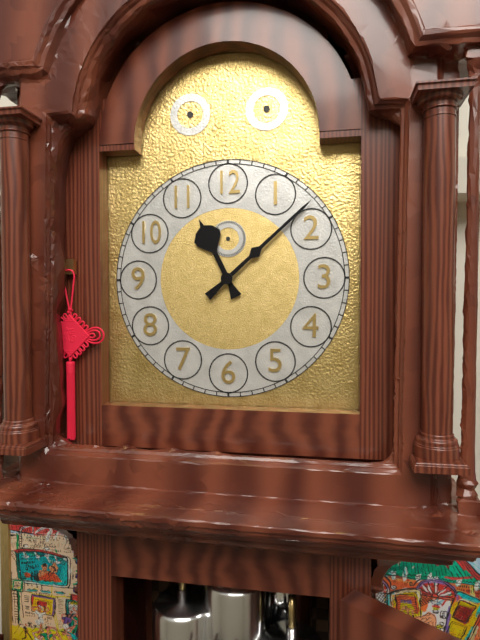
11:08
